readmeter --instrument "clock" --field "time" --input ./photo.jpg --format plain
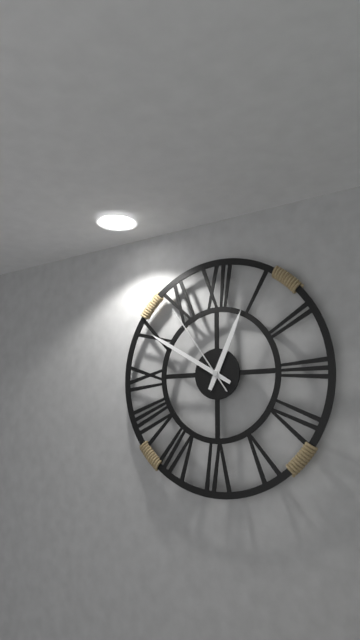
12:50:54
